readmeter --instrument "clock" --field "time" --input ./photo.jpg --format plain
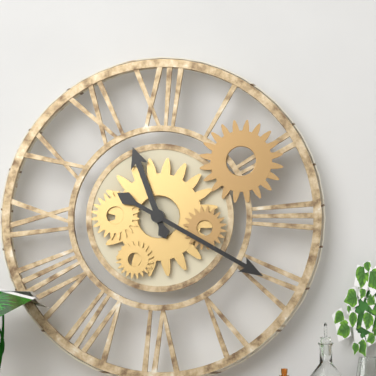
11:20
